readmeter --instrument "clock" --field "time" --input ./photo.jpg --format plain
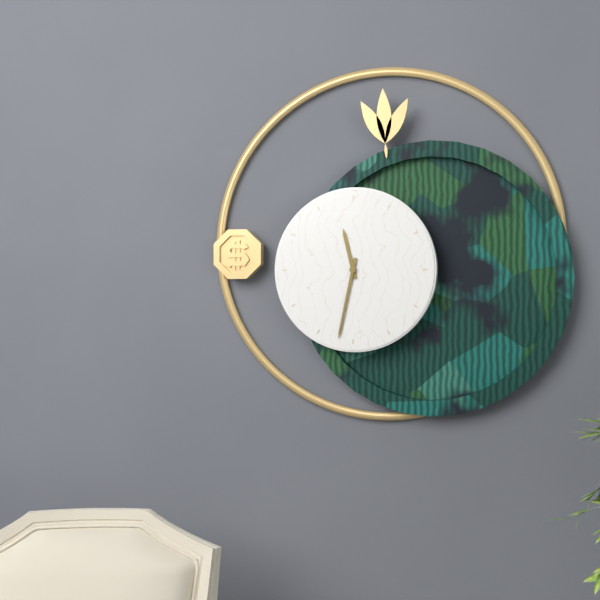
11:32
